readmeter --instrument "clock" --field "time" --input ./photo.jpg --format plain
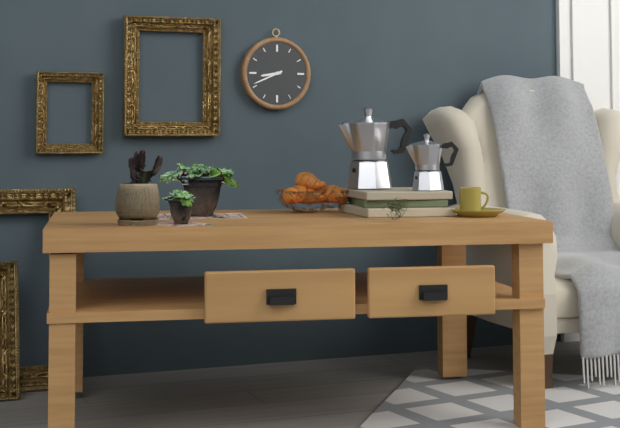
8:41
